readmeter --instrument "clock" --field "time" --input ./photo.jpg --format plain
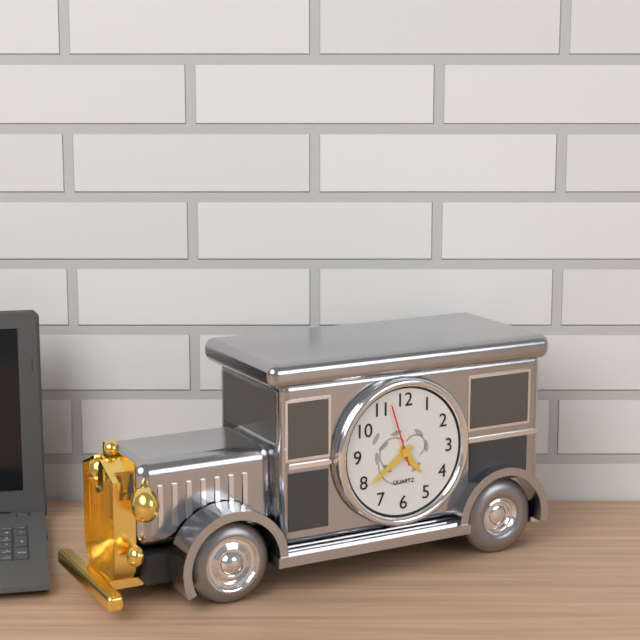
4:39:57
